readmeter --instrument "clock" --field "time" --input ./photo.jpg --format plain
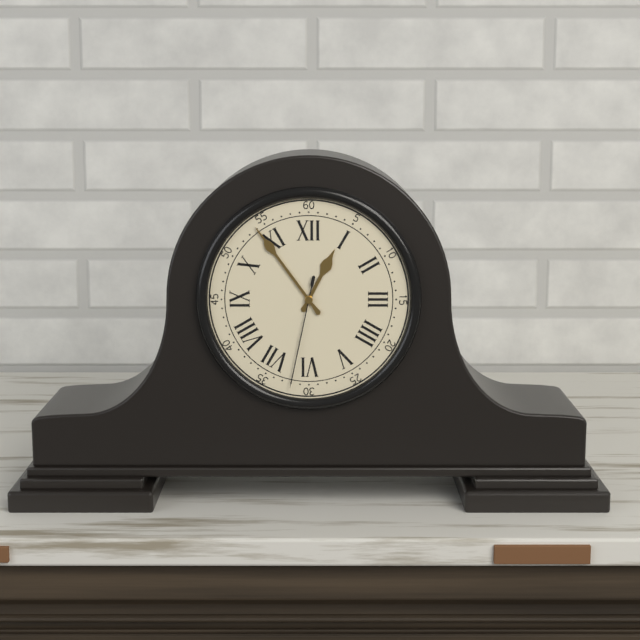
12:54:32
